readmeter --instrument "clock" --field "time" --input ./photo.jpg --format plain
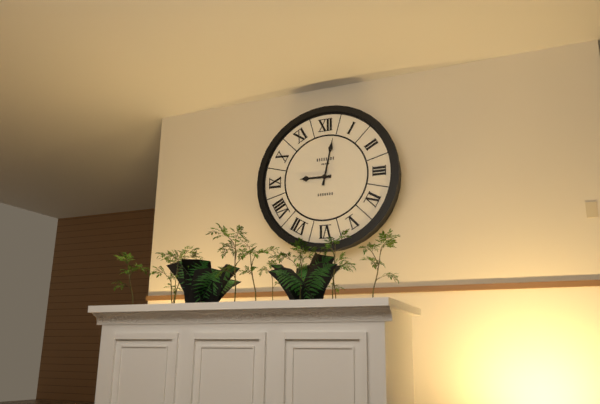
9:02
